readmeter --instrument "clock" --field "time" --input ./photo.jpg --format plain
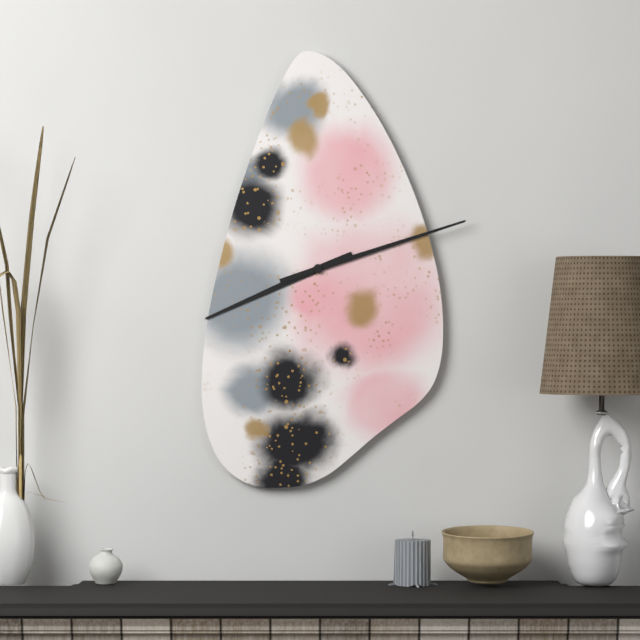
8:12
